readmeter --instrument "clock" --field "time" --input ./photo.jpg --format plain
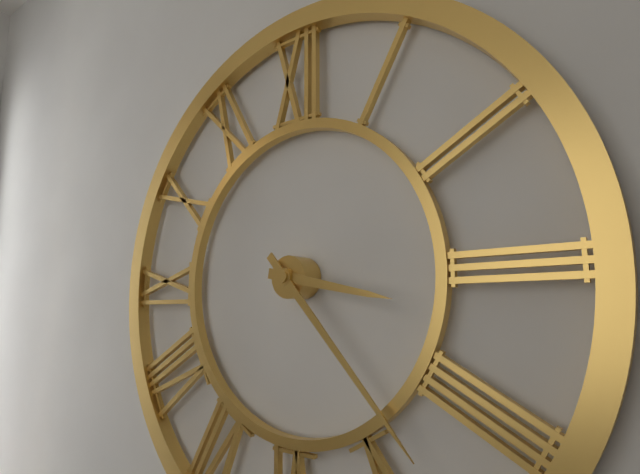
3:23
